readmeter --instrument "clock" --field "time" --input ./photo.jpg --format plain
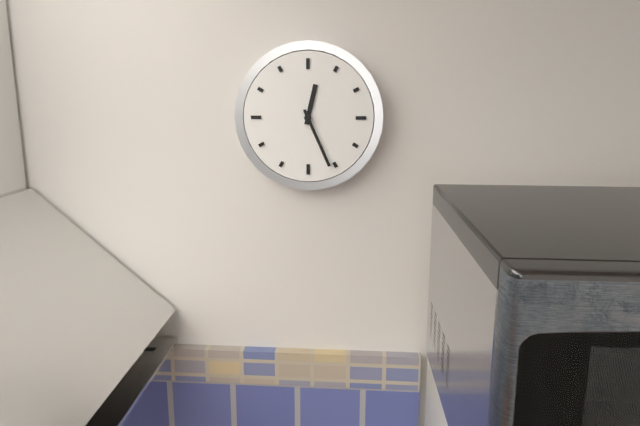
12:26
